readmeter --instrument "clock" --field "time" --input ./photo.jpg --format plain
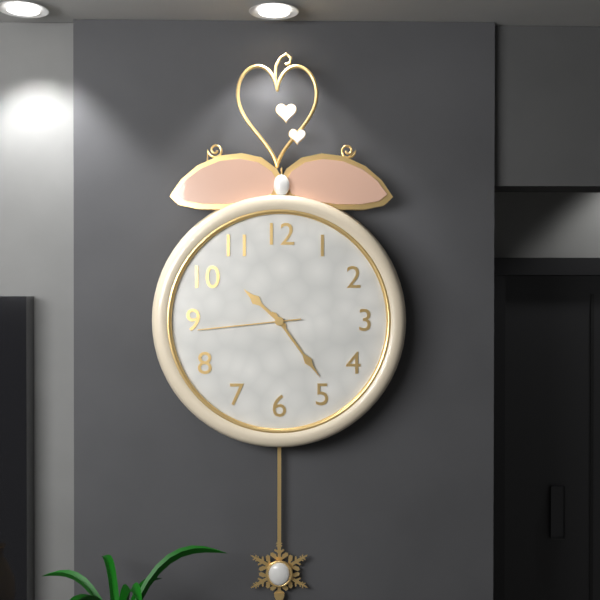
10:24:44
